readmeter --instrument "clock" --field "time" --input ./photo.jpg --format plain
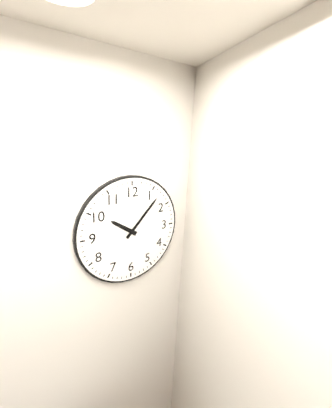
10:07
